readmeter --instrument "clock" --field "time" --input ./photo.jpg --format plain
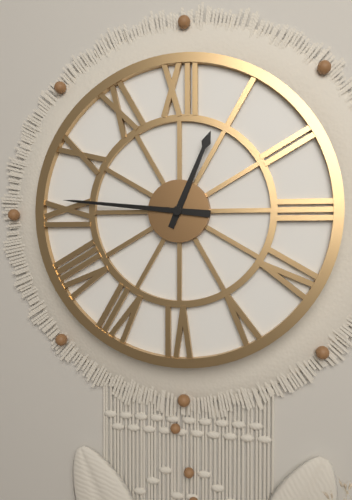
12:46
